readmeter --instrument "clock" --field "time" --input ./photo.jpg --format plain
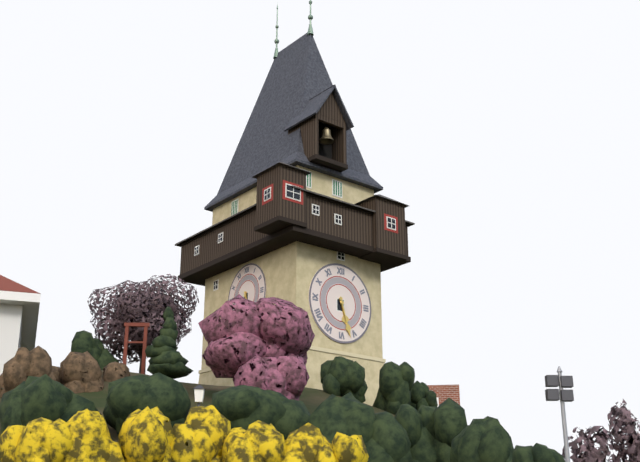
5:27
